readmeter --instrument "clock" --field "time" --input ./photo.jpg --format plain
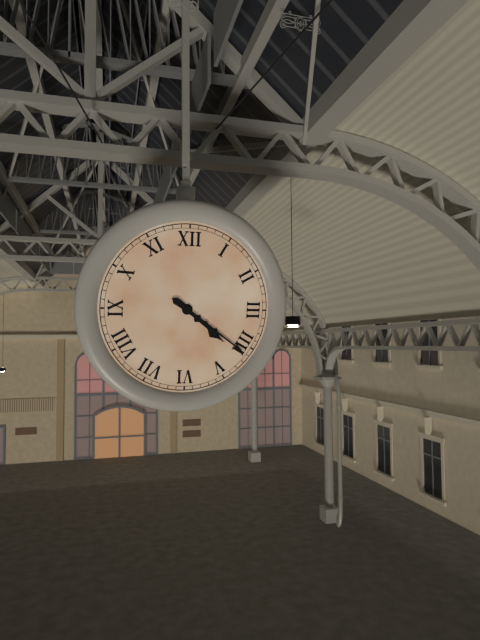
4:21
